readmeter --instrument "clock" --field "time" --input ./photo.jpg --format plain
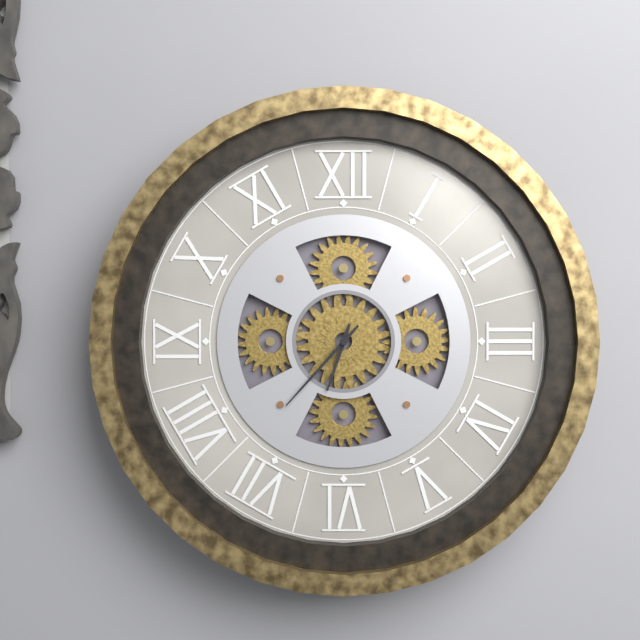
6:37
